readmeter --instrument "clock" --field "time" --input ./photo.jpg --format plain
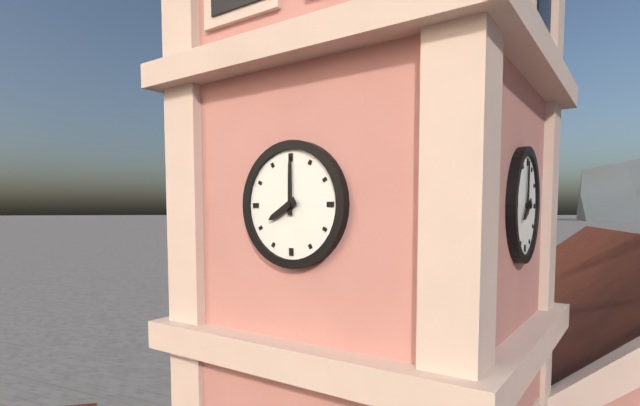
8:00
